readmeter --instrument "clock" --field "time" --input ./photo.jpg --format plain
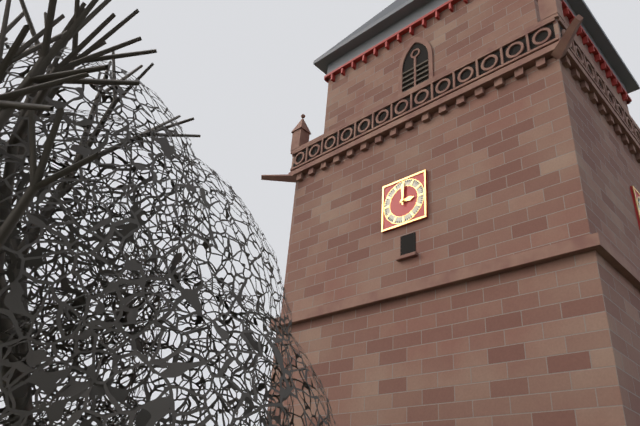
3:00
